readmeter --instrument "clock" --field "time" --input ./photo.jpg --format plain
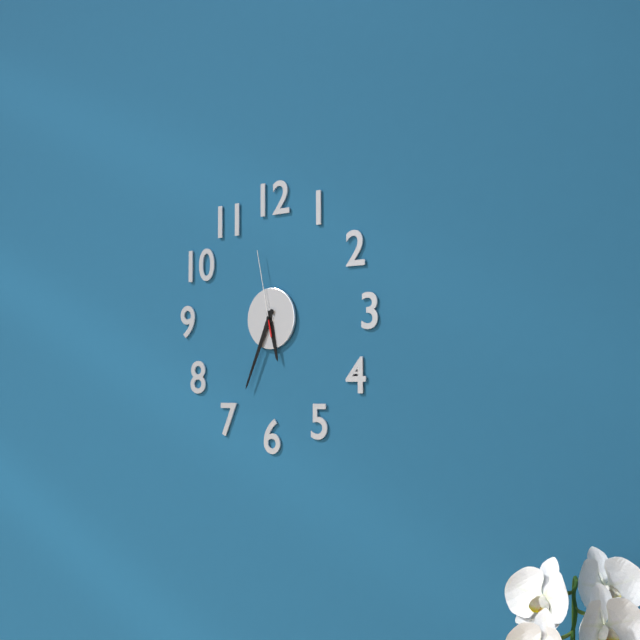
5:34:58
